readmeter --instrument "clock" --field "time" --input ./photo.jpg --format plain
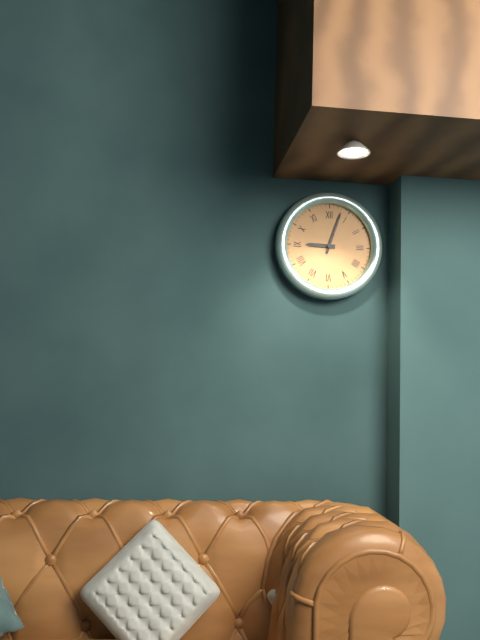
9:03
